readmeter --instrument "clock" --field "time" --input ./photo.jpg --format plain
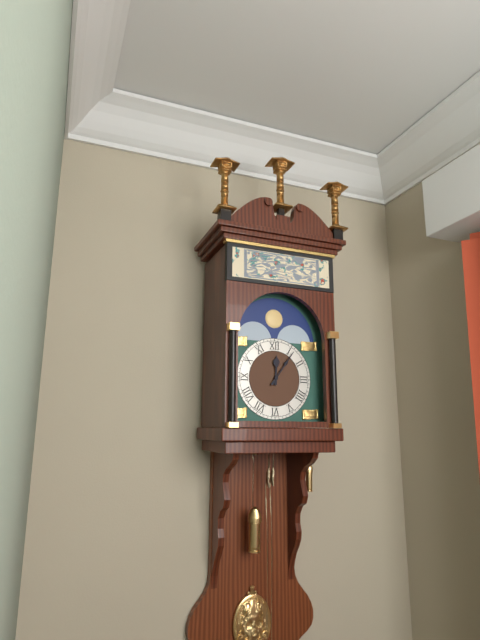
12:06
